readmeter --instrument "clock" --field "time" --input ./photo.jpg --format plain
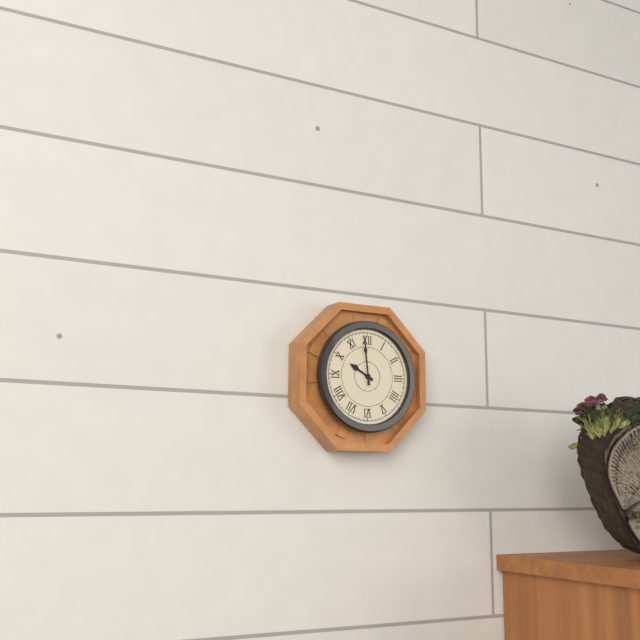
9:59
